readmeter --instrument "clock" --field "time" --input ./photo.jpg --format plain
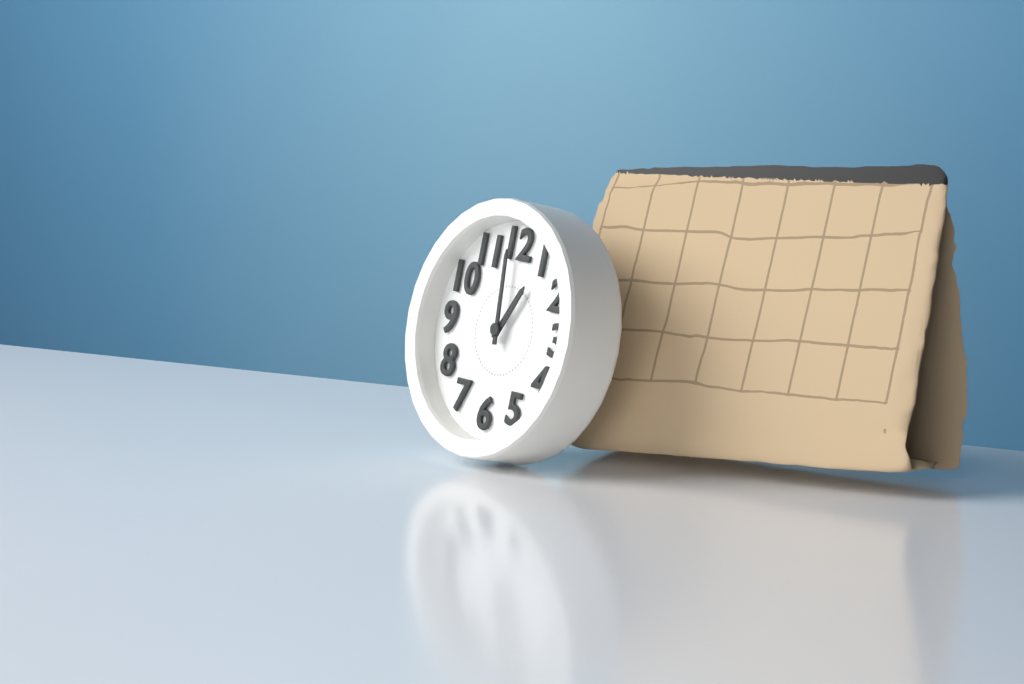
12:59
